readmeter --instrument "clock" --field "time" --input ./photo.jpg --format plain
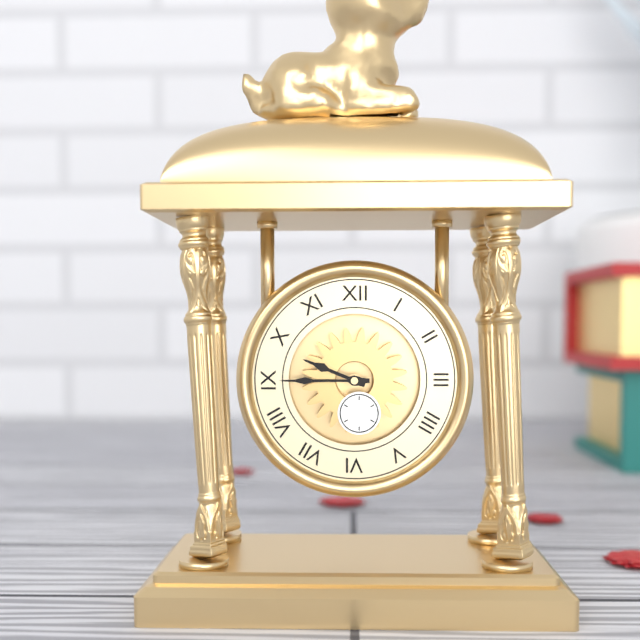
9:45
